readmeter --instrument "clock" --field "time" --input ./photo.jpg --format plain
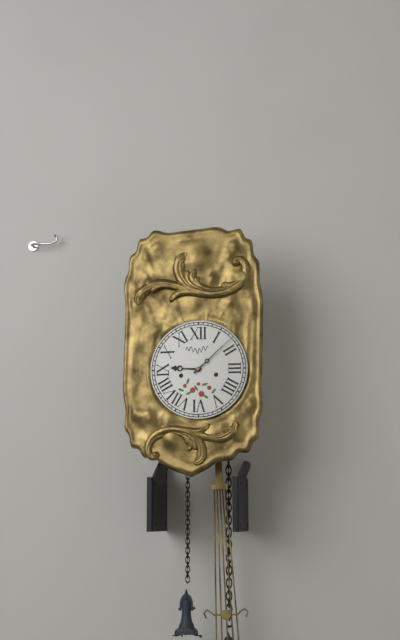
9:08
